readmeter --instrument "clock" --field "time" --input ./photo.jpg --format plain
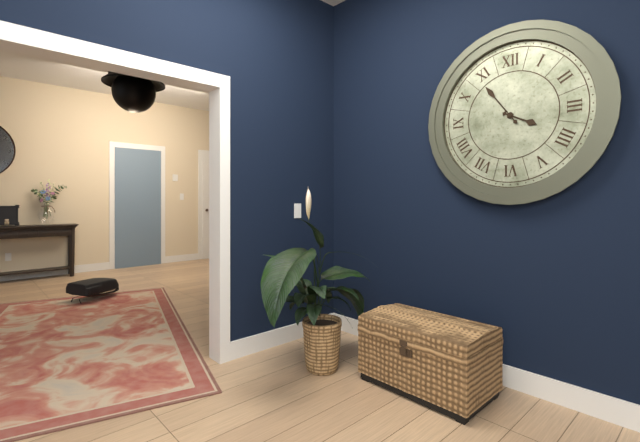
3:54
